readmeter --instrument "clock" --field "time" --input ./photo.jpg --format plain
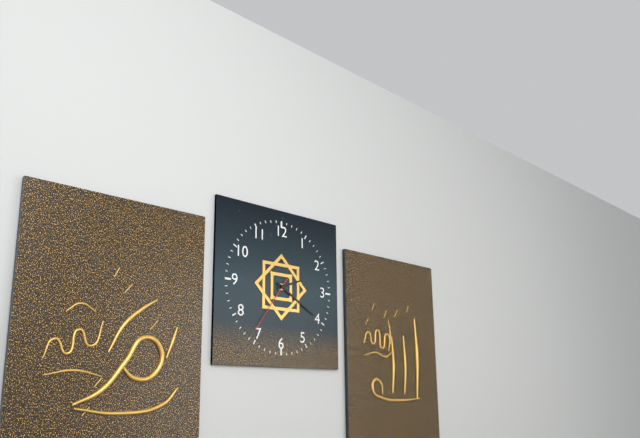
2:20:36
